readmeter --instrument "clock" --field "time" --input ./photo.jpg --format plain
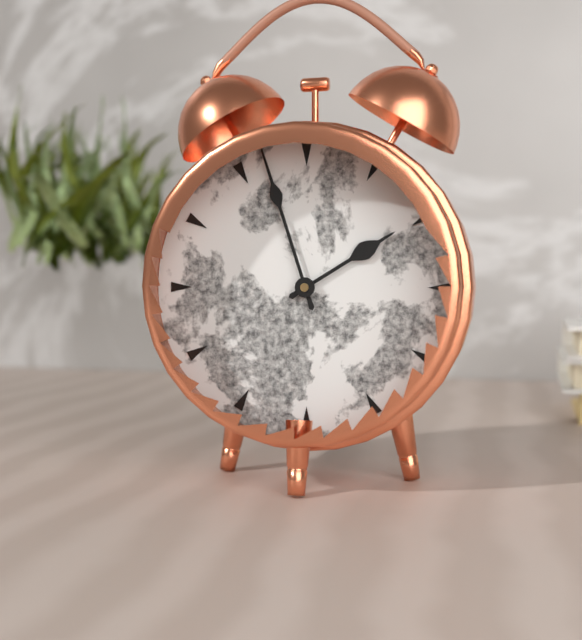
1:57
